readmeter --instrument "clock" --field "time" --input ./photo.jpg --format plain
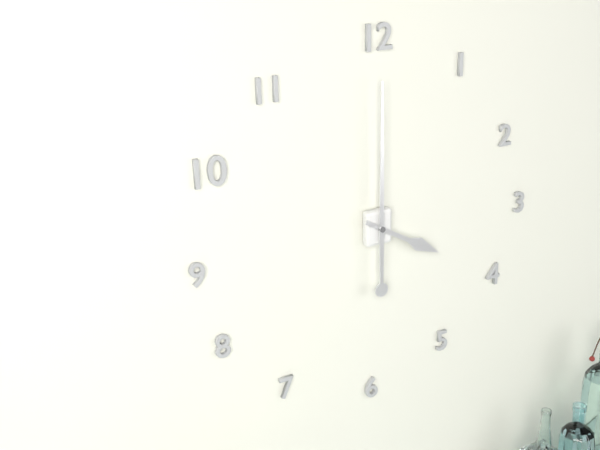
4:00
